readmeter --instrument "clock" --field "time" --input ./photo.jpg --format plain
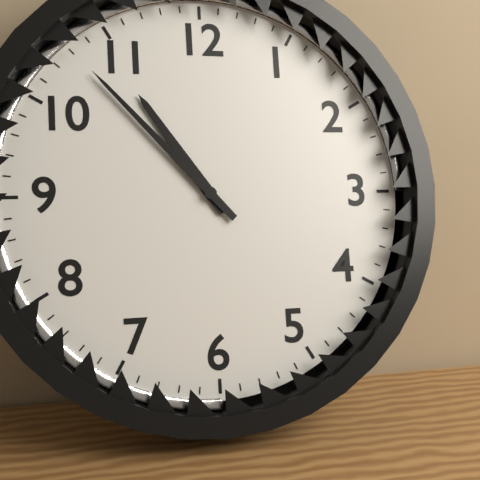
10:53
